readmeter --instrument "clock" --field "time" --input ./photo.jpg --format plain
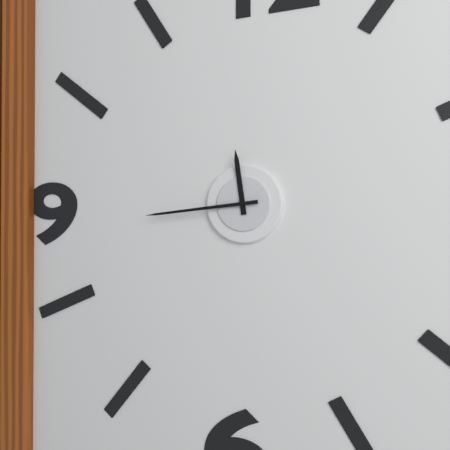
11:44
